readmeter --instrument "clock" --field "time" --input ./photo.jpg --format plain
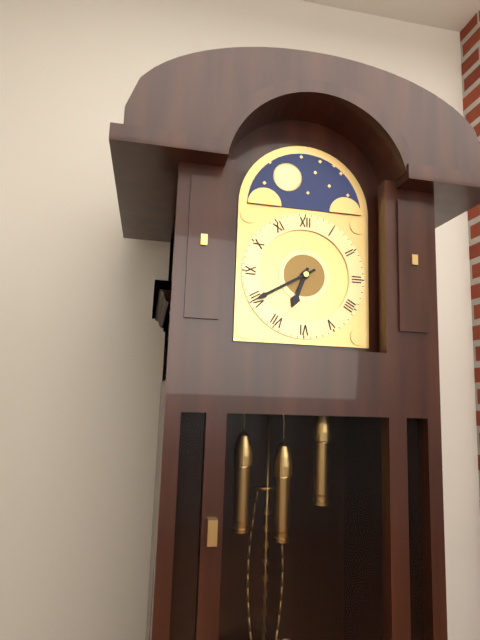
6:40
